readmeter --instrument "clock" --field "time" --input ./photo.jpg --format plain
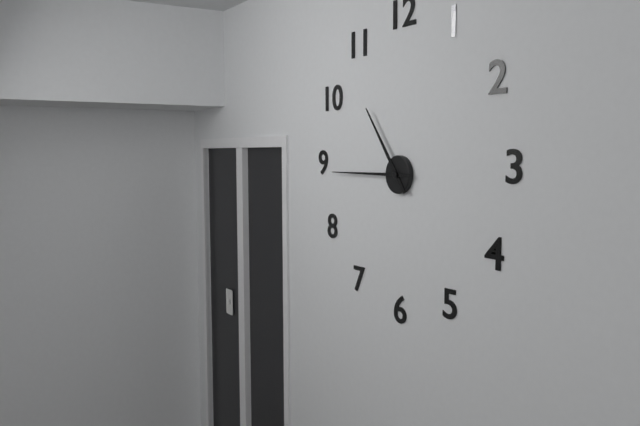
10:45
